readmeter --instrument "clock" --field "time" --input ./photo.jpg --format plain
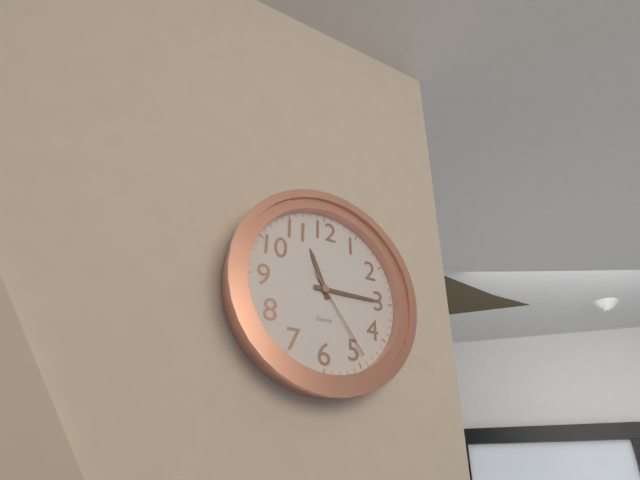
11:15:24
